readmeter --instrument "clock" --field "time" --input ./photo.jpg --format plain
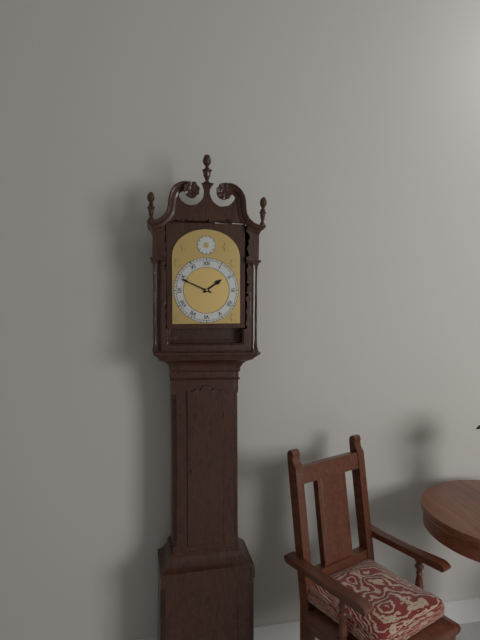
1:49
